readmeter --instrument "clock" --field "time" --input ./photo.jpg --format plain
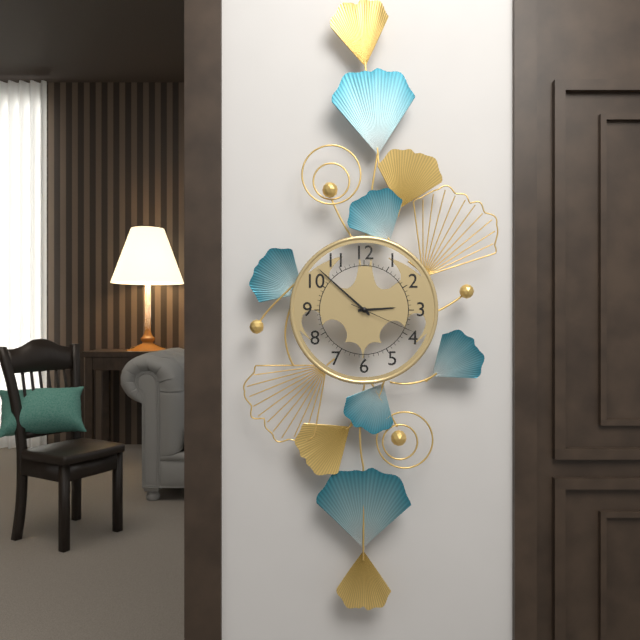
2:52:19
